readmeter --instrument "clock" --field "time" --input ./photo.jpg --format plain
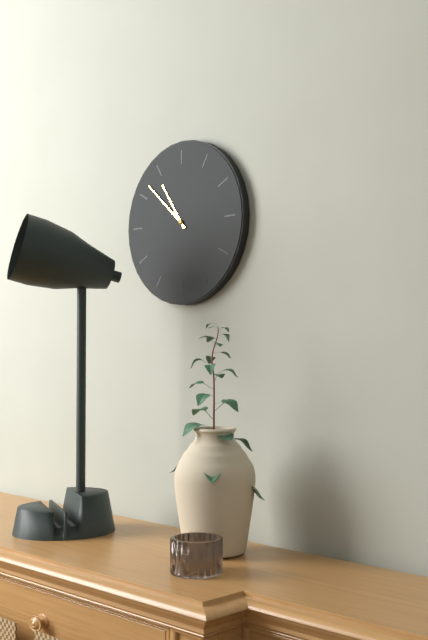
10:52
